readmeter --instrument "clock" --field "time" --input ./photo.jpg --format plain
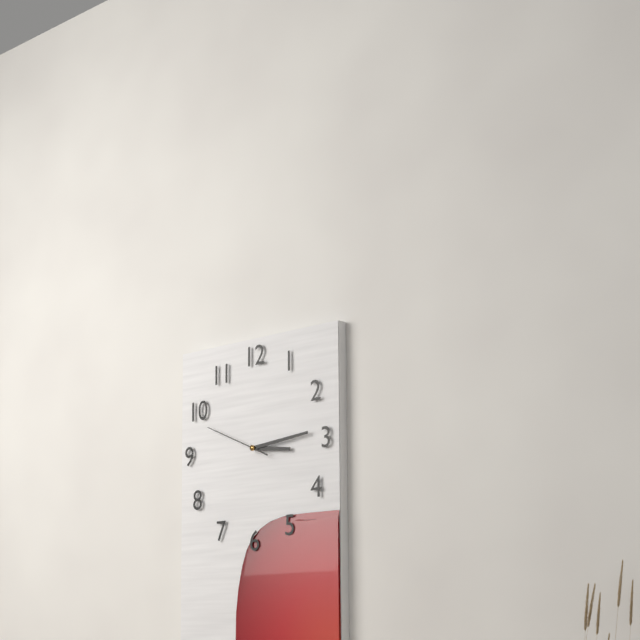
3:14:49
